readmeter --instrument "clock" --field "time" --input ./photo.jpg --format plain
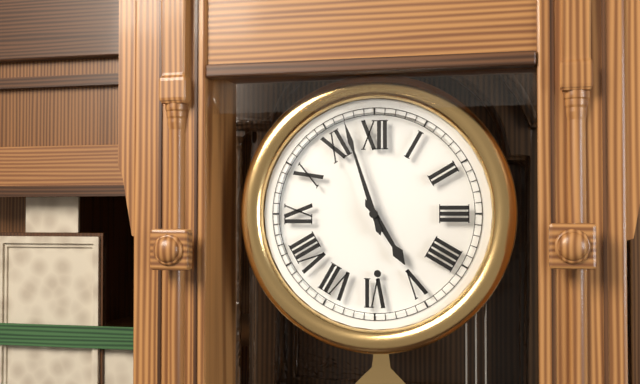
4:57
